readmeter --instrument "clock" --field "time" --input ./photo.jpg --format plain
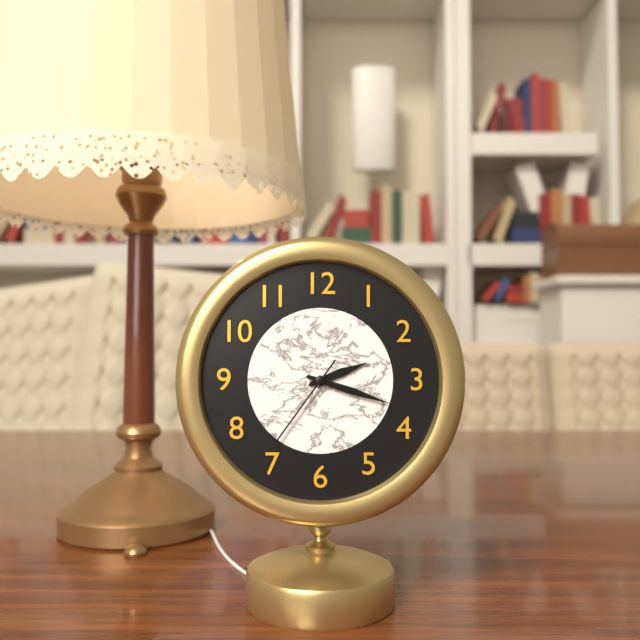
2:18:36
